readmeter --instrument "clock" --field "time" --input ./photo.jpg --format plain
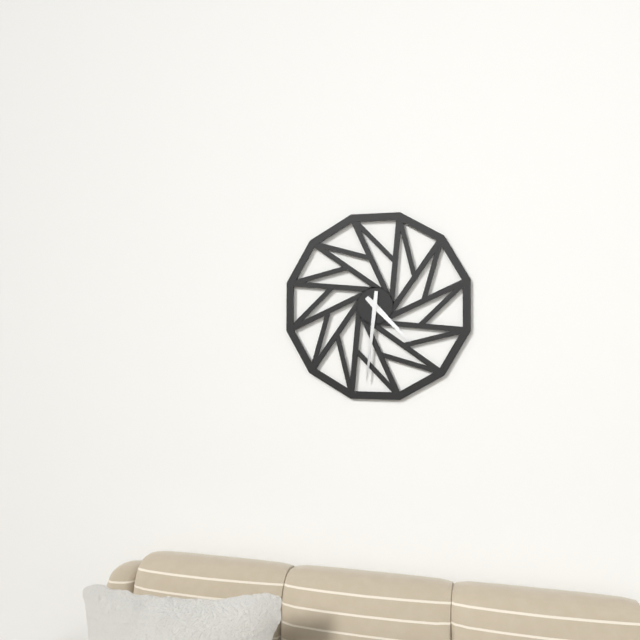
4:31
